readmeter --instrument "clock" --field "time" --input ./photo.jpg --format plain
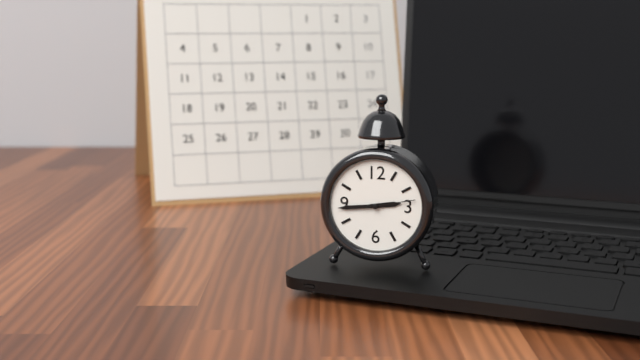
2:44
